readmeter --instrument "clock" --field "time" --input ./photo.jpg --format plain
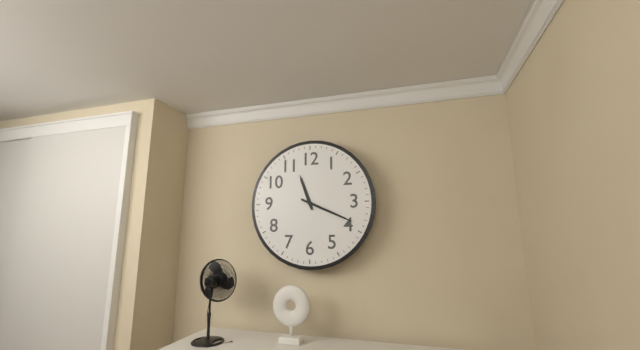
11:19
